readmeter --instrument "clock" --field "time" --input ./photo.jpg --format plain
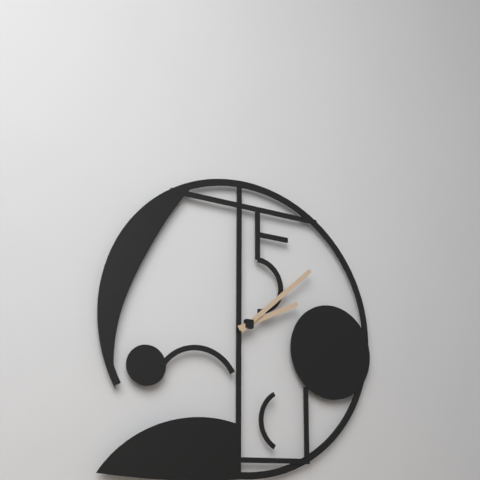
2:08
